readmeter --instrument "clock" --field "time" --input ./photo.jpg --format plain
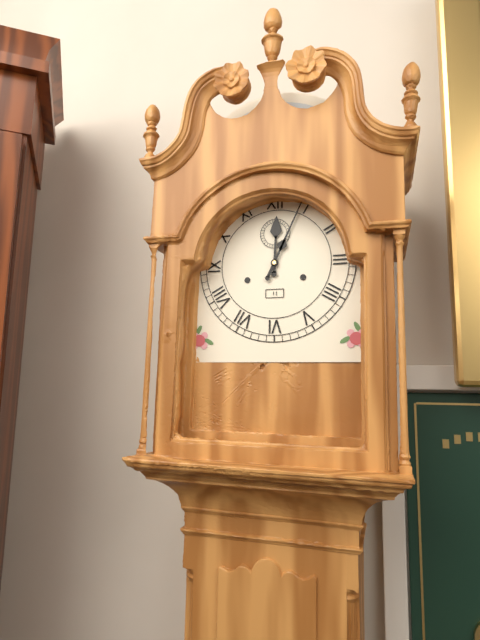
12:04
